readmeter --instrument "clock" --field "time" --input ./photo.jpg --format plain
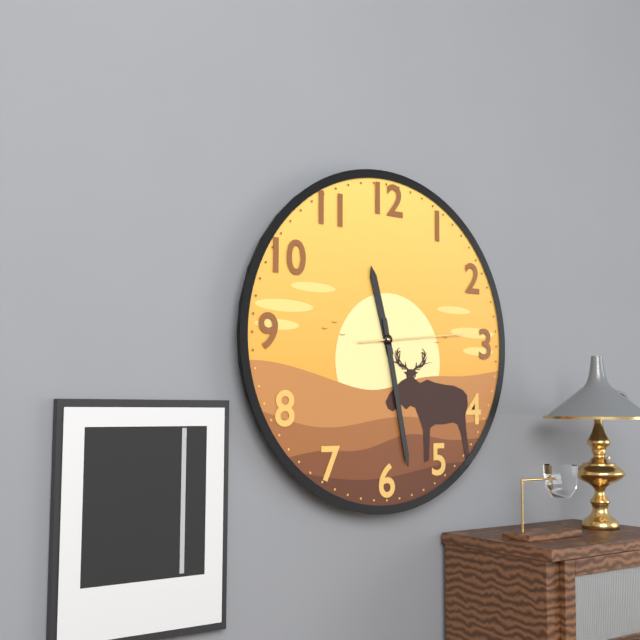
11:28:14
